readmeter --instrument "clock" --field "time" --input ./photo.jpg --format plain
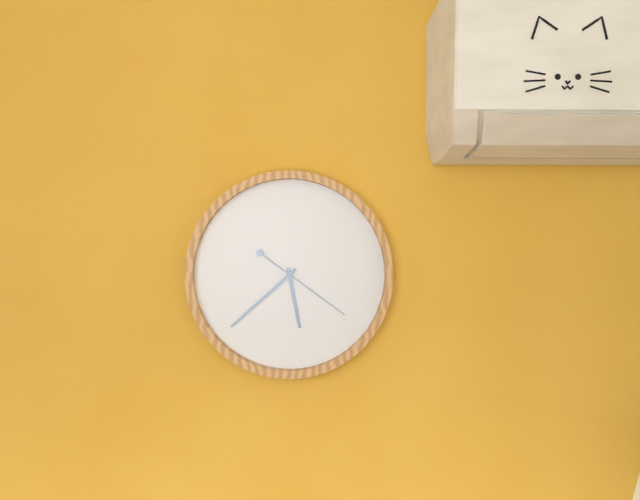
5:38:21
